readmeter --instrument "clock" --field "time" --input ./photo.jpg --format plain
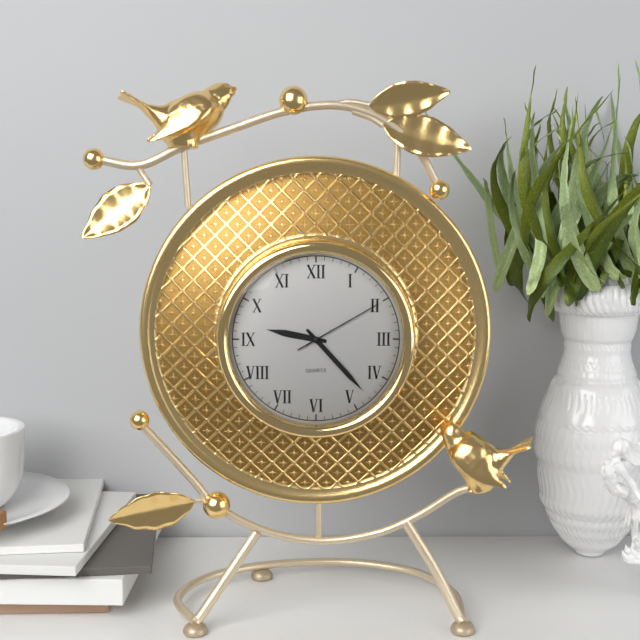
9:23:10
